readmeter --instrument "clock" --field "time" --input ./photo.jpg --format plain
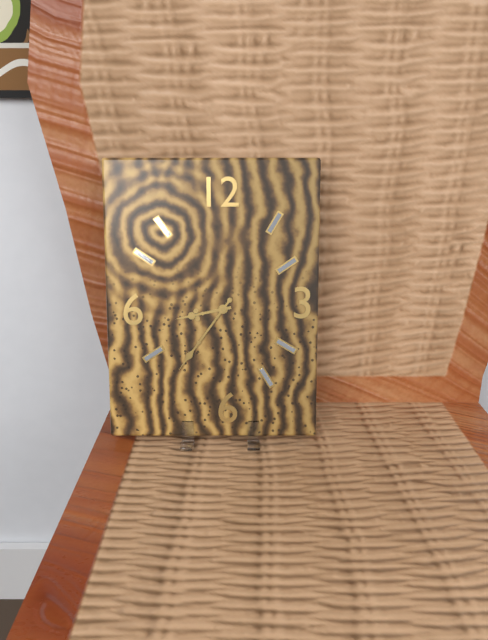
8:36
